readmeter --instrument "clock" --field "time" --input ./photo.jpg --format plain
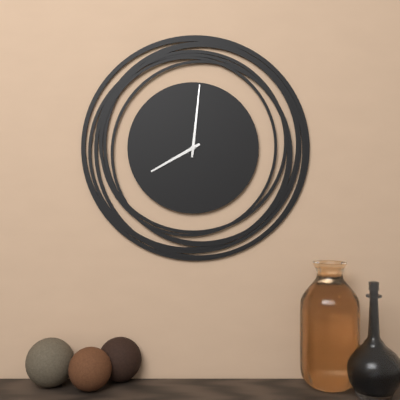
8:01
